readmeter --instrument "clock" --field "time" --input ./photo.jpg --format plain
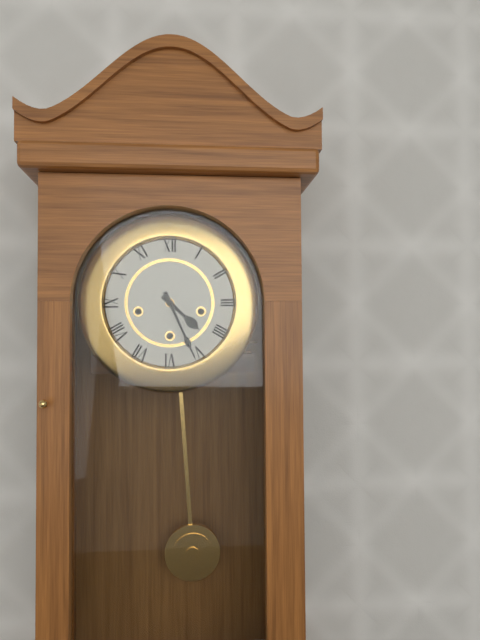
4:26
